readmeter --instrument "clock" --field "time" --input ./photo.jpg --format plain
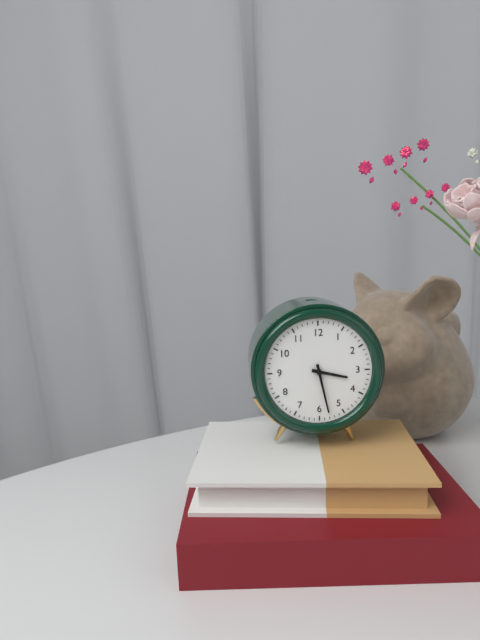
3:28
